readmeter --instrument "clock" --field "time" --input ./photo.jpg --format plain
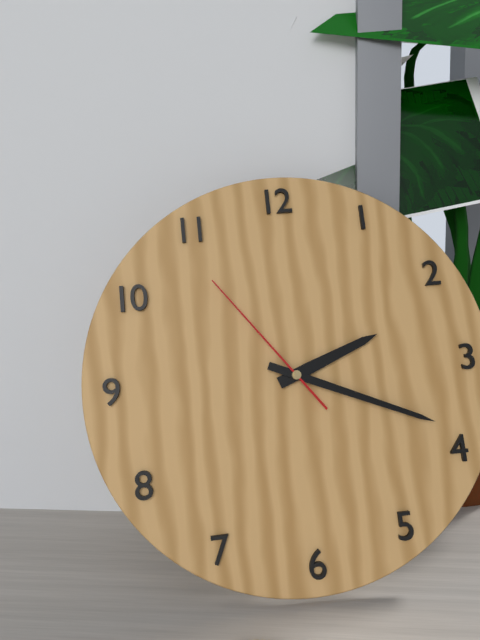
2:19:54
